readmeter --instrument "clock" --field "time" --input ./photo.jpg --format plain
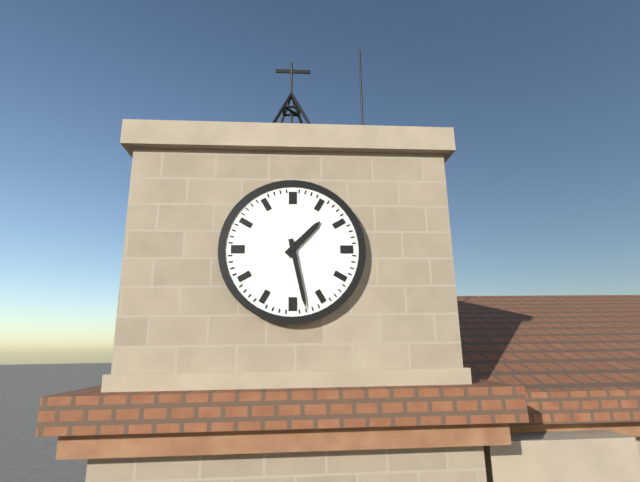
1:28
